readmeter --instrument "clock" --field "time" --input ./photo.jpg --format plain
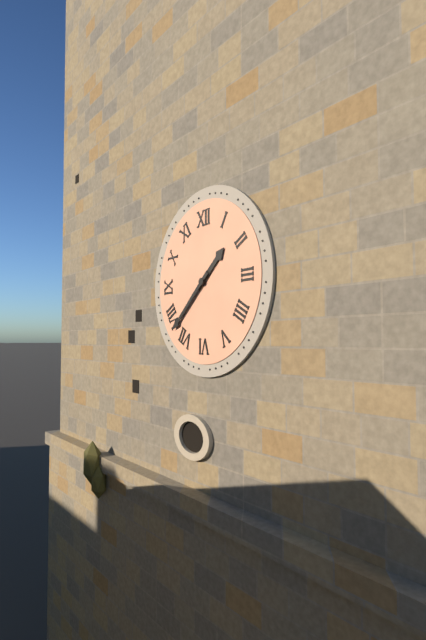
1:38
